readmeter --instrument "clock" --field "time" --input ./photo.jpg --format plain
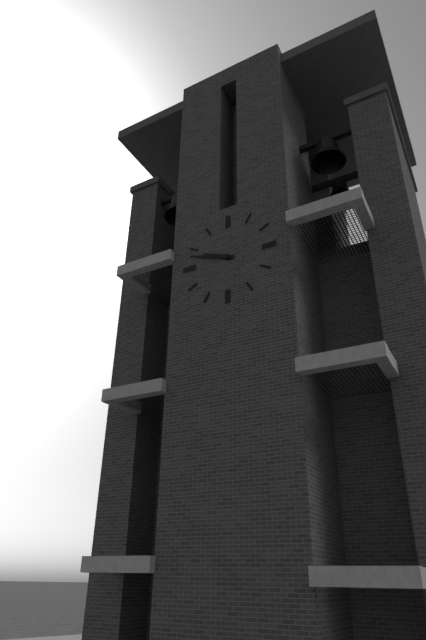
9:48
